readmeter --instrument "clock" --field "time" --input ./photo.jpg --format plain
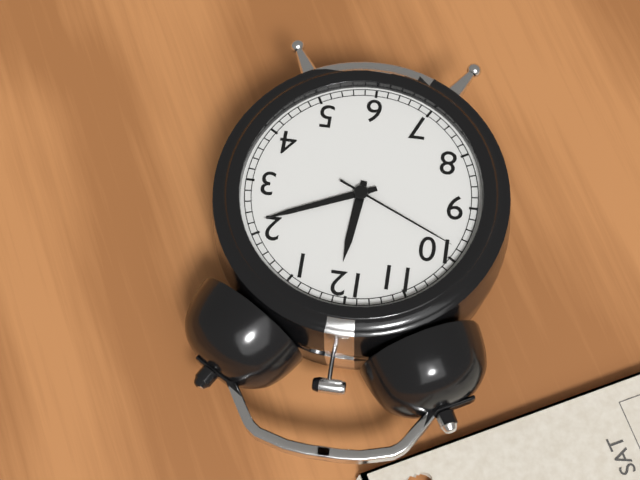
12:11:49
